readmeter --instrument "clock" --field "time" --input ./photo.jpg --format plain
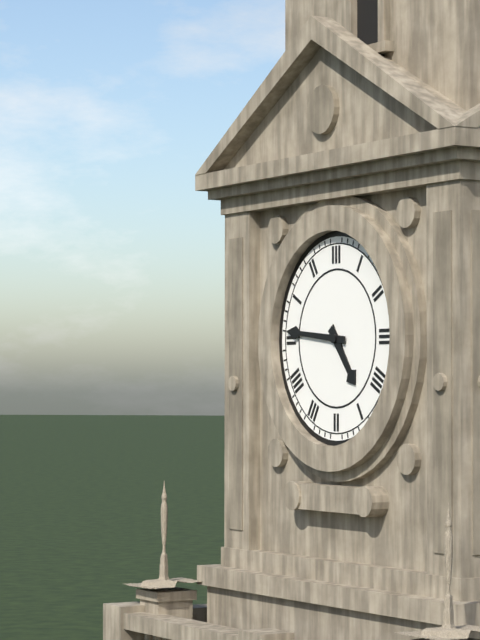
4:46
